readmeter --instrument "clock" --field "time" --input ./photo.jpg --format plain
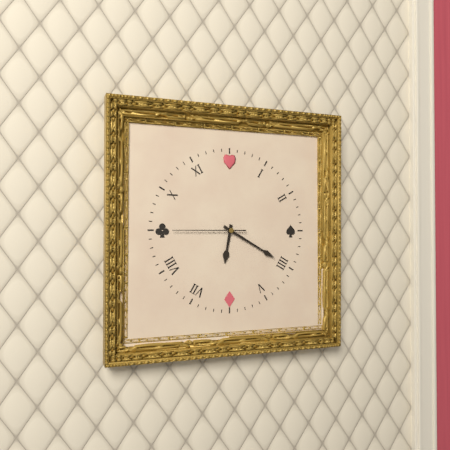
6:20:45
